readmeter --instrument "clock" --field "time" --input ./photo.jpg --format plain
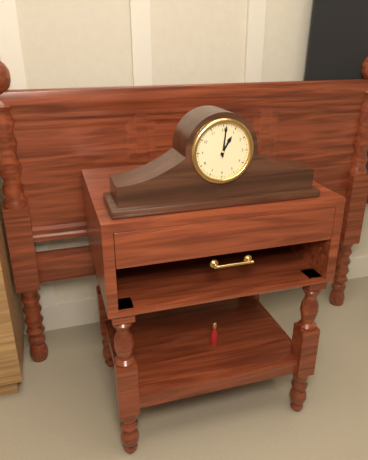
1:01
